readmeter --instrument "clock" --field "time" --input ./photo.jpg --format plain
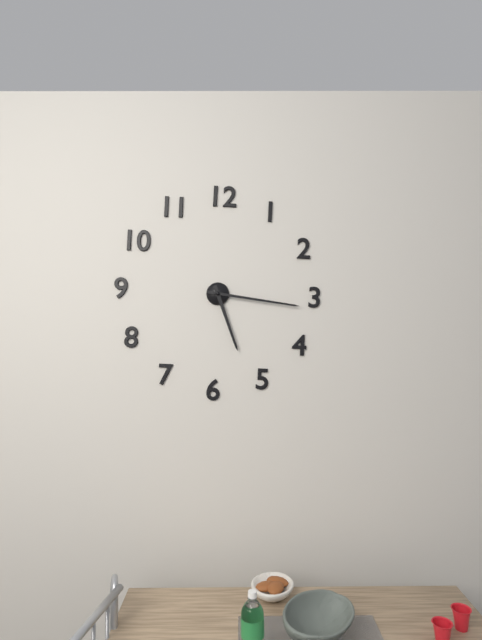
5:16
